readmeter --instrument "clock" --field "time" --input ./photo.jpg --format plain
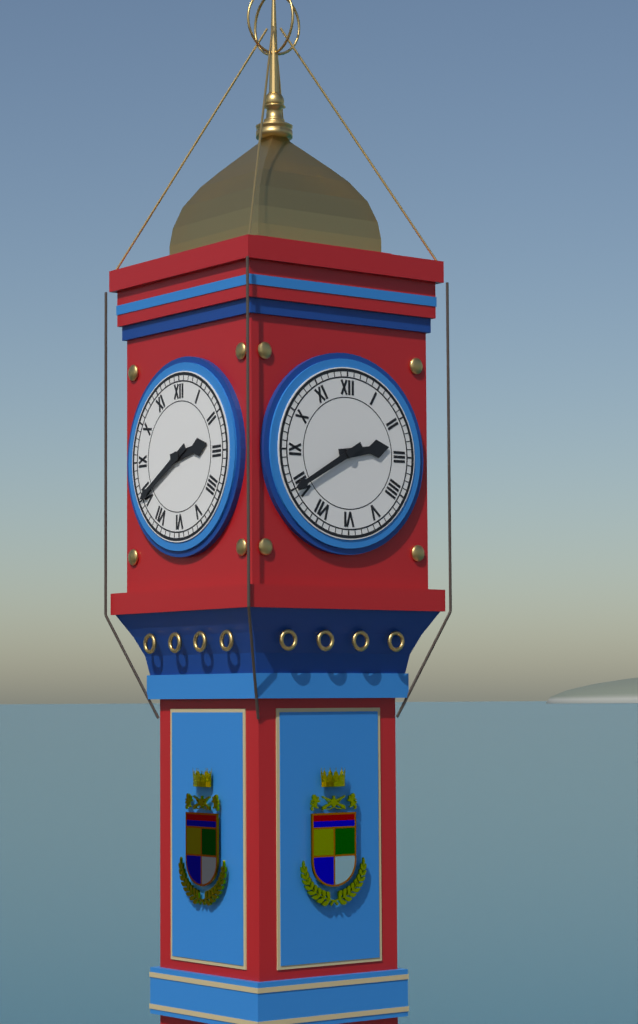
2:40
